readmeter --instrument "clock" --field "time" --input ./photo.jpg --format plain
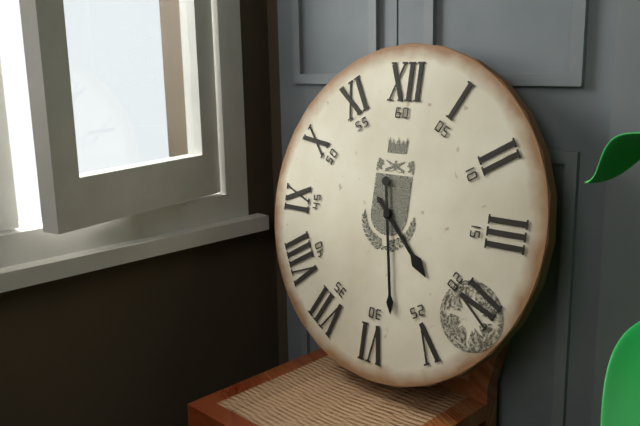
4:28
